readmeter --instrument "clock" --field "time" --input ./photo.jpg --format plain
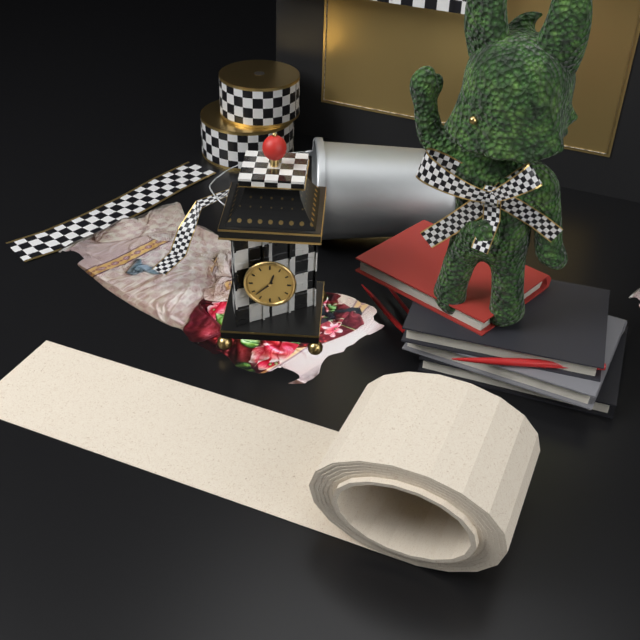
12:38
